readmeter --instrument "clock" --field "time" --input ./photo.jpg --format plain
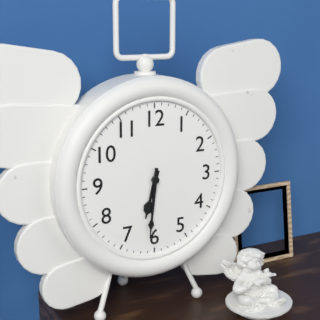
6:31
